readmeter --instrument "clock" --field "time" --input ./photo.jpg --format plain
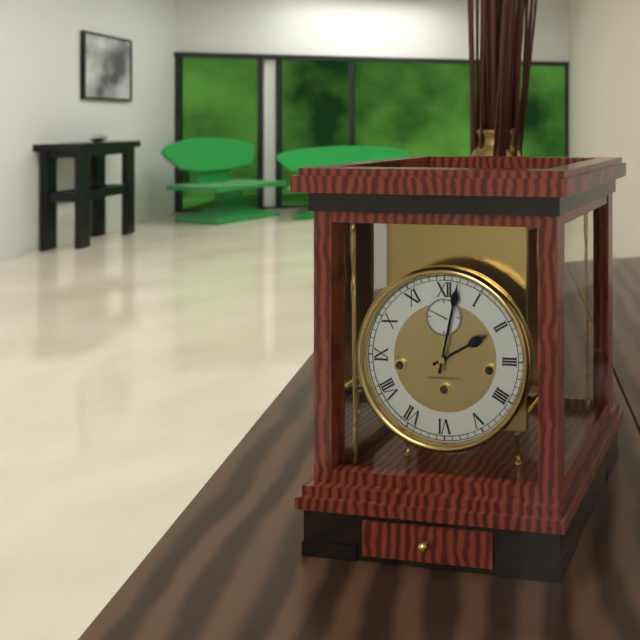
2:02
